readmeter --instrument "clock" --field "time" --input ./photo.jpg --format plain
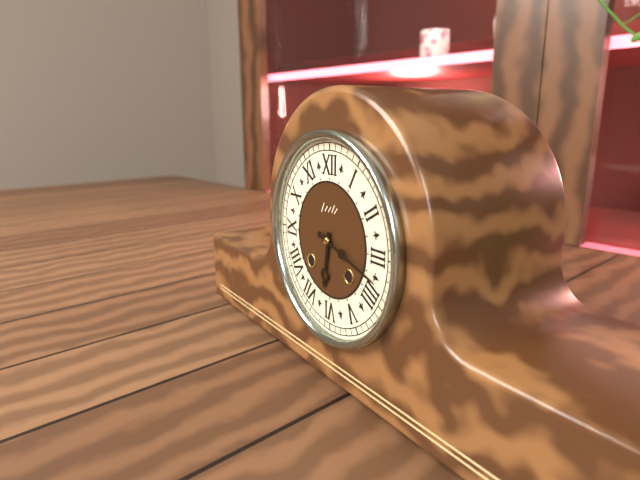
6:18
